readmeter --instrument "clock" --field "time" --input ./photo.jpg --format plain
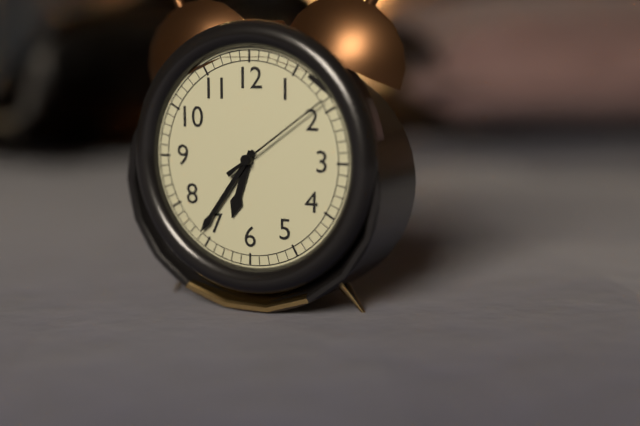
6:36:09
